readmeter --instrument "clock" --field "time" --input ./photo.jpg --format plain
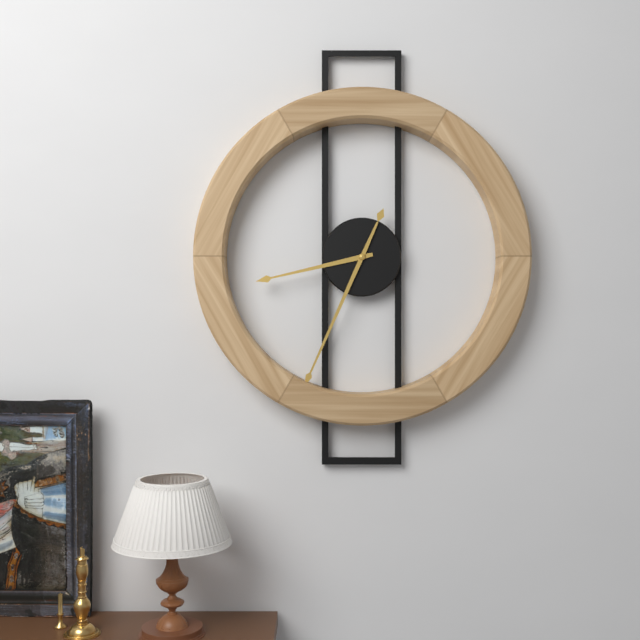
8:34
